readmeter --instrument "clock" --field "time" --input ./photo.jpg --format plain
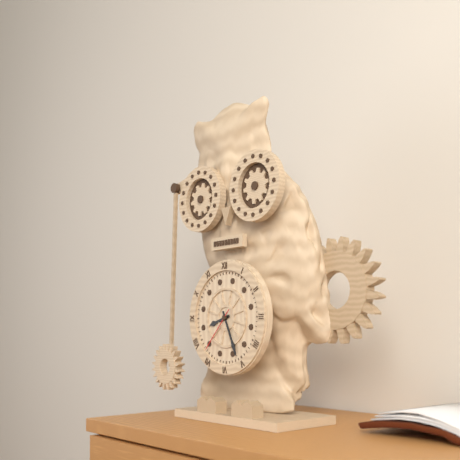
8:26
